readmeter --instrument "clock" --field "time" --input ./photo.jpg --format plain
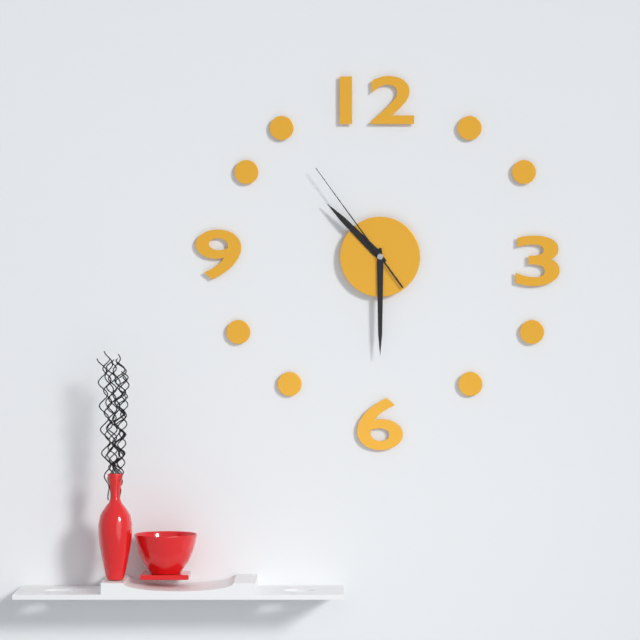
10:30:54
